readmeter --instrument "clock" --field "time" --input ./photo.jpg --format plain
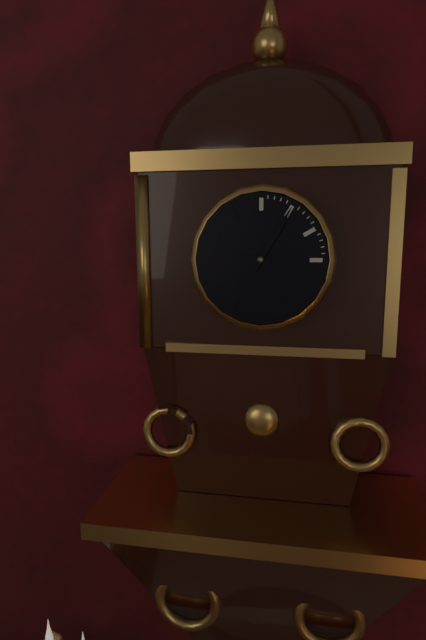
9:05
